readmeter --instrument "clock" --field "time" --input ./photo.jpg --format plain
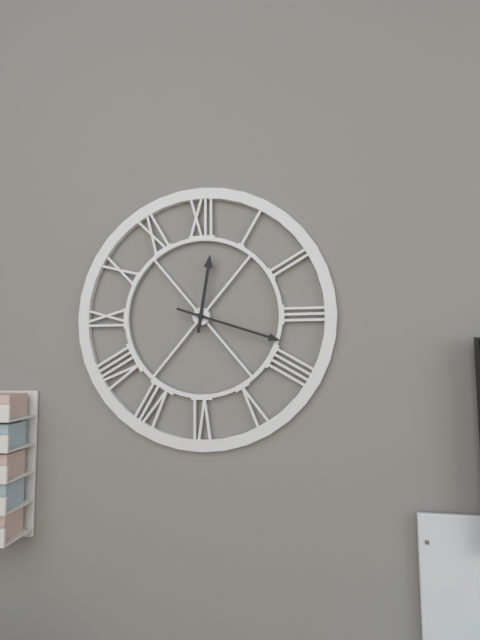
12:18
